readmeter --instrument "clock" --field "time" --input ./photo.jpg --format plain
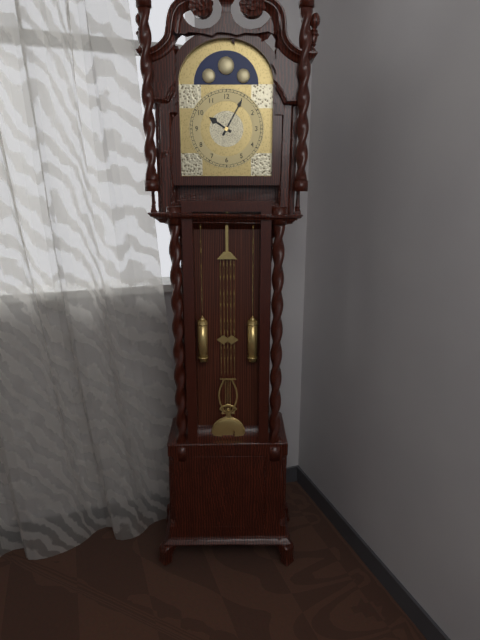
10:05
